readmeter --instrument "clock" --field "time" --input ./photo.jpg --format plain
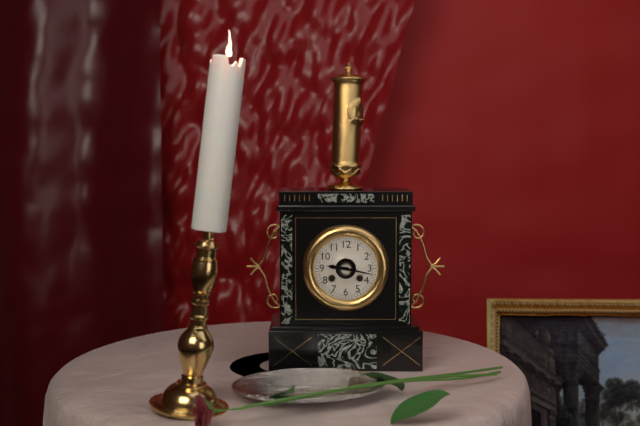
9:17
